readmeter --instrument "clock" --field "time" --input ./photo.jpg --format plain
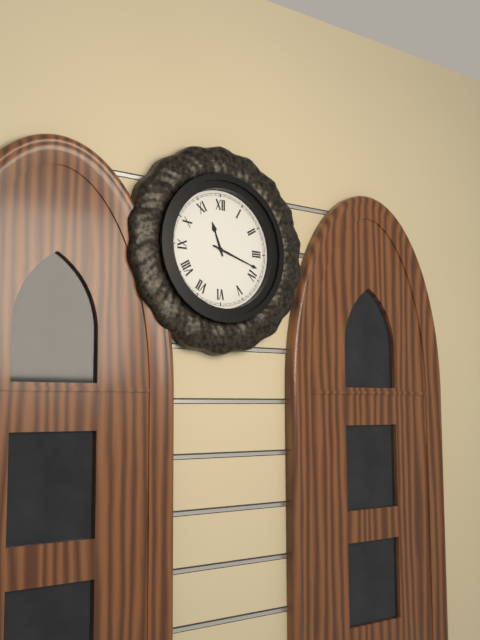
11:18
